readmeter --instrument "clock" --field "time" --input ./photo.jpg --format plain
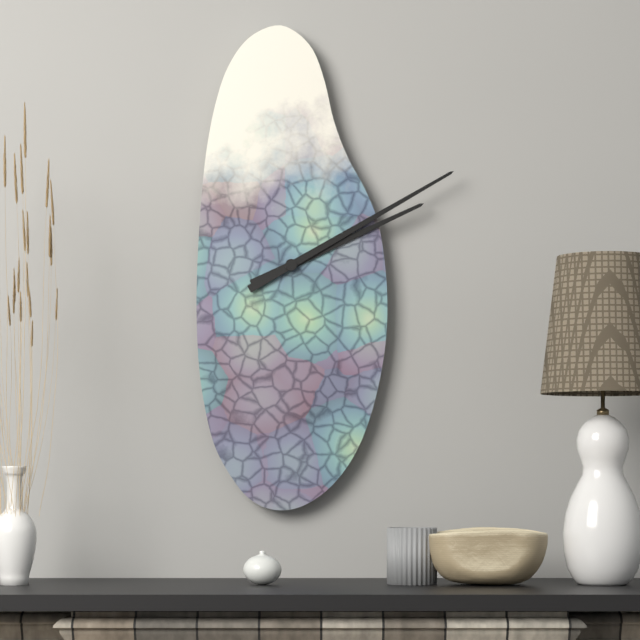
2:10
